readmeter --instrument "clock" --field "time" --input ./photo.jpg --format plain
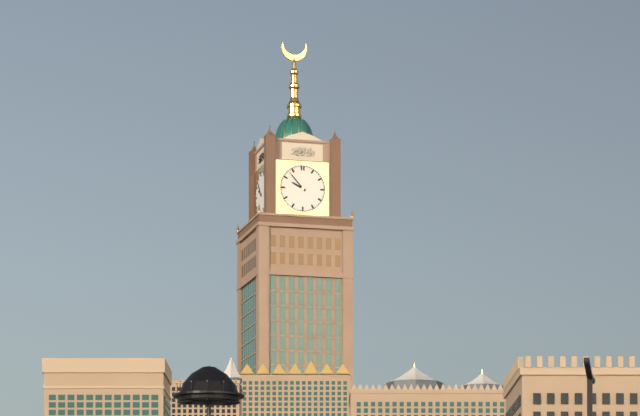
9:53
